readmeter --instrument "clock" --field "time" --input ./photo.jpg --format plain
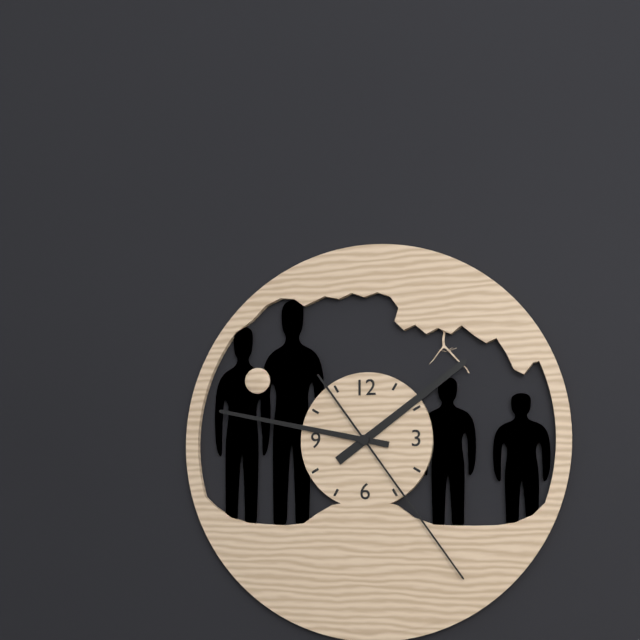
1:47:24
